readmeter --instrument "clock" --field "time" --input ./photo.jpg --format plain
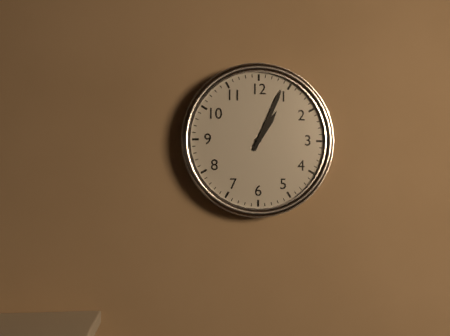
1:04
